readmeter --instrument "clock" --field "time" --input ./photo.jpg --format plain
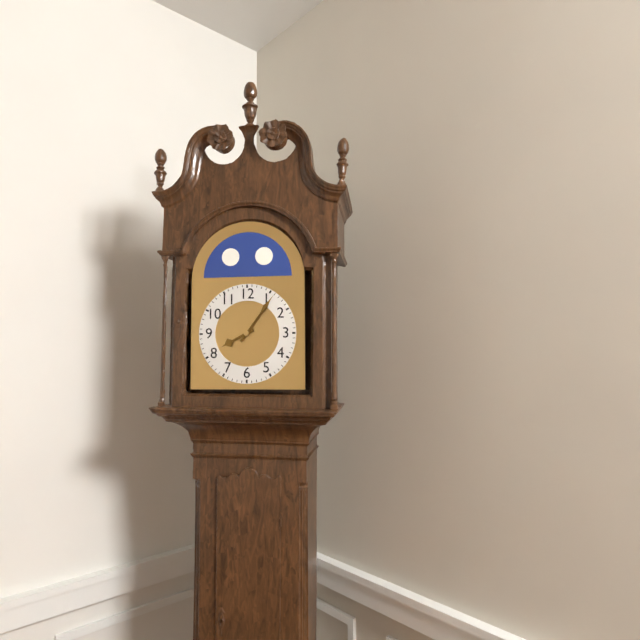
8:06
